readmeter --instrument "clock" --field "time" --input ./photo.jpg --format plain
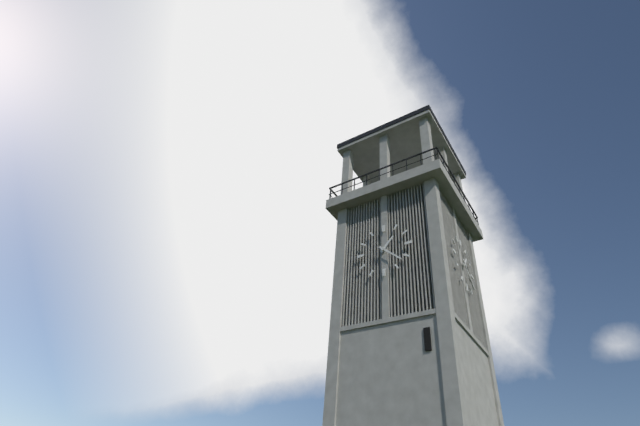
1:22
